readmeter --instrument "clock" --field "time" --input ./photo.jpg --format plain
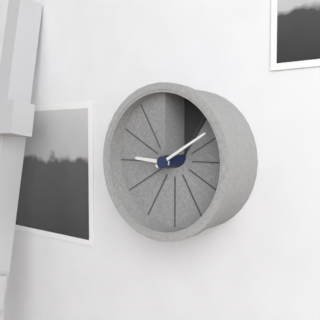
9:10
